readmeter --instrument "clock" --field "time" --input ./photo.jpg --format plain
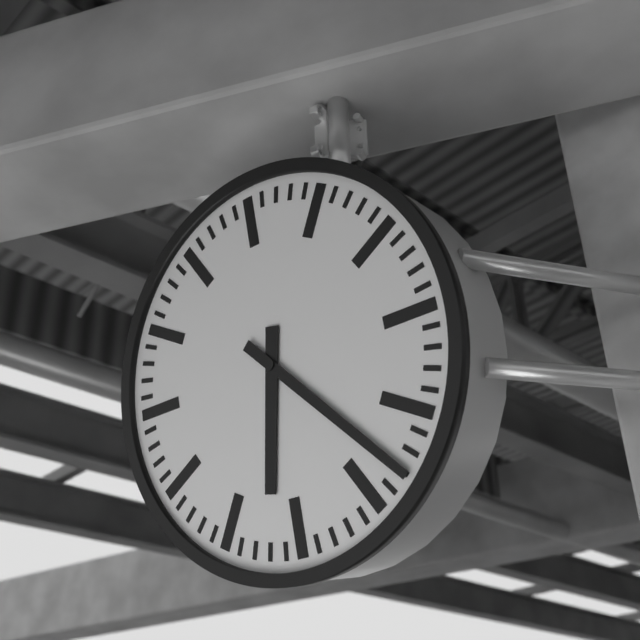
6:23
